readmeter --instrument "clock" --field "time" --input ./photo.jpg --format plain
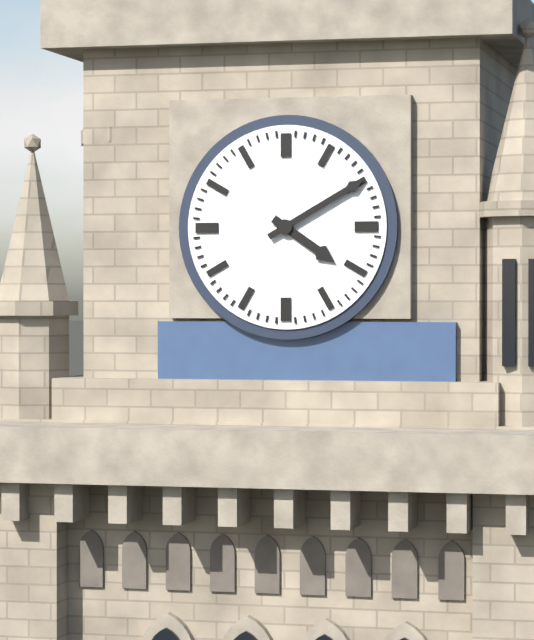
4:10
